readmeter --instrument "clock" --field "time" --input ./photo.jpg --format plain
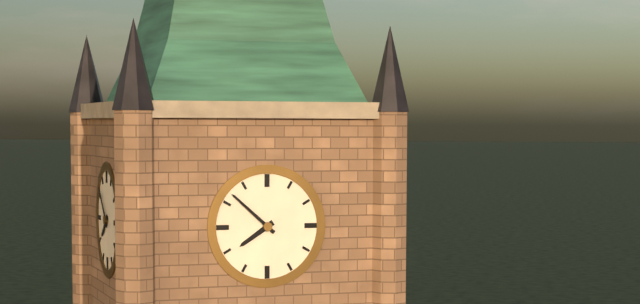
7:52
